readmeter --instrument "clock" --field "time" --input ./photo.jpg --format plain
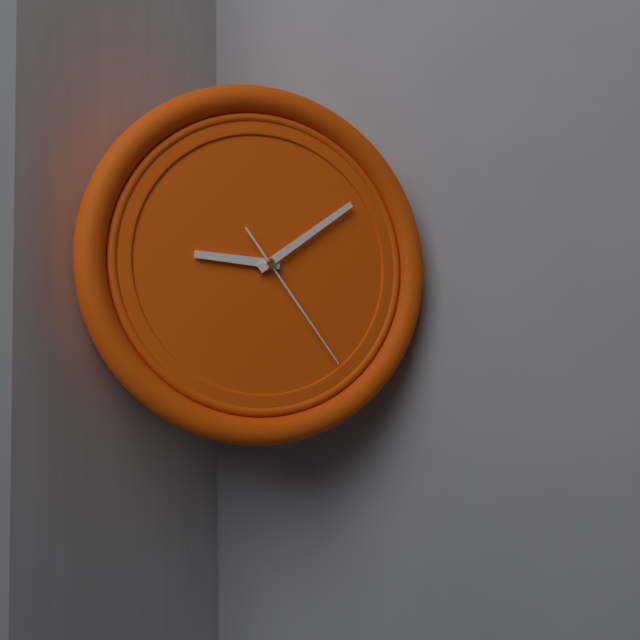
9:09:24
